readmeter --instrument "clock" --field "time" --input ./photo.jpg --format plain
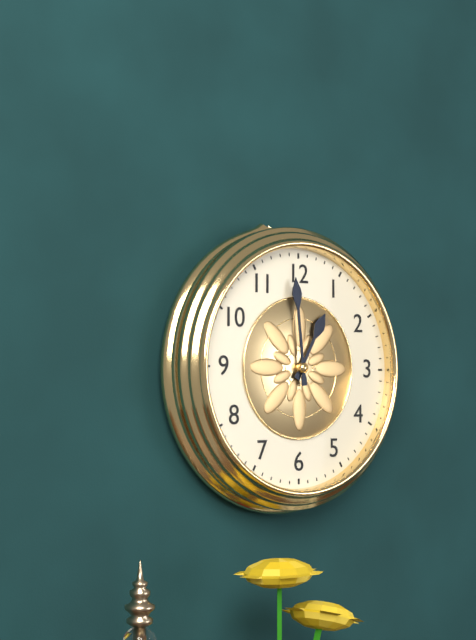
12:59
